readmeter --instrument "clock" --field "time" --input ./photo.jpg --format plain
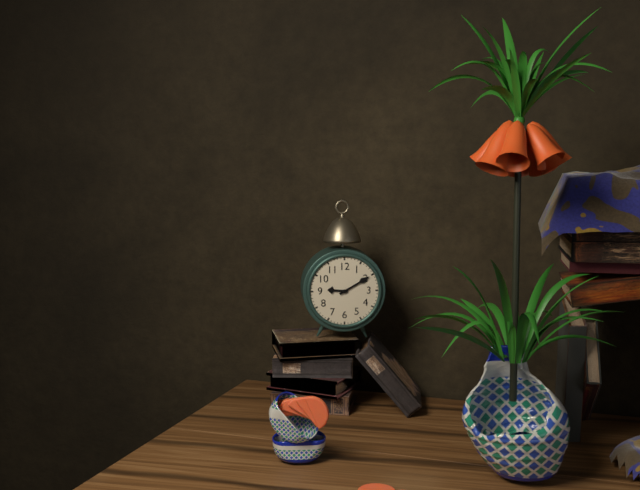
9:10
